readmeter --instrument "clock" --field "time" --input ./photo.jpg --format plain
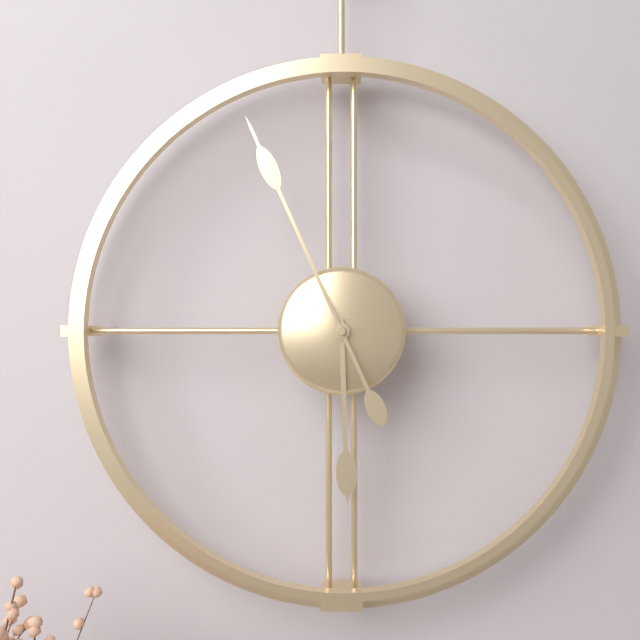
5:56
